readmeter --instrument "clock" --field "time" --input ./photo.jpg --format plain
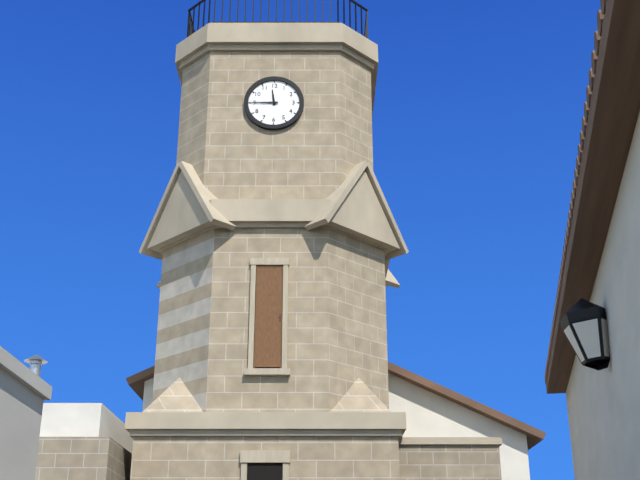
11:45
